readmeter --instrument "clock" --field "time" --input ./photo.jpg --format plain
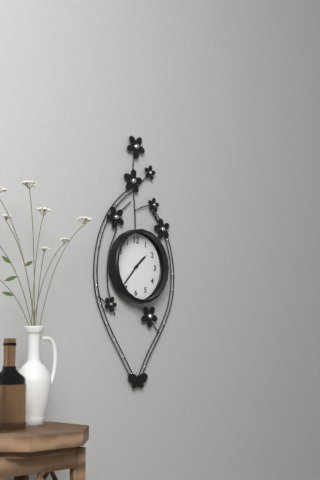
1:37
